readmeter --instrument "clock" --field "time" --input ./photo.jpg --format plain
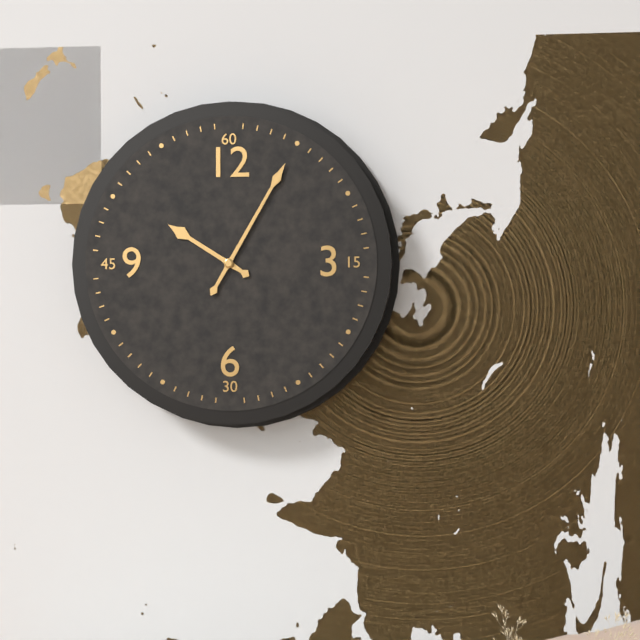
10:05
